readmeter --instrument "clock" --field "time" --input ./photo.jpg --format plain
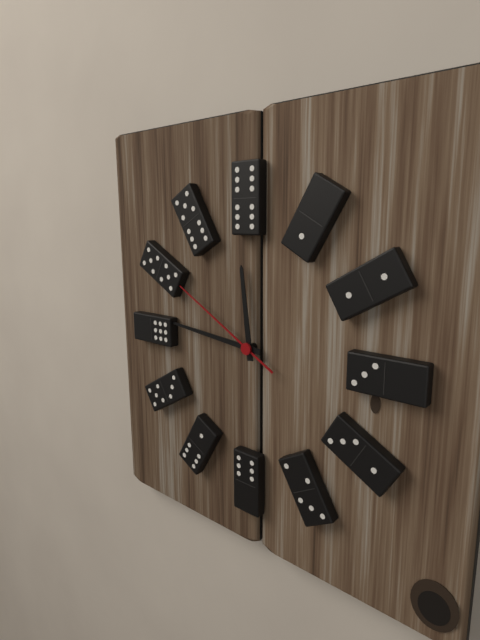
11:46:50
